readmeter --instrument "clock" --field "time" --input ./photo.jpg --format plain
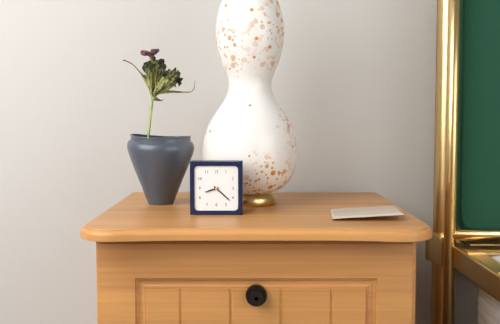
8:22
